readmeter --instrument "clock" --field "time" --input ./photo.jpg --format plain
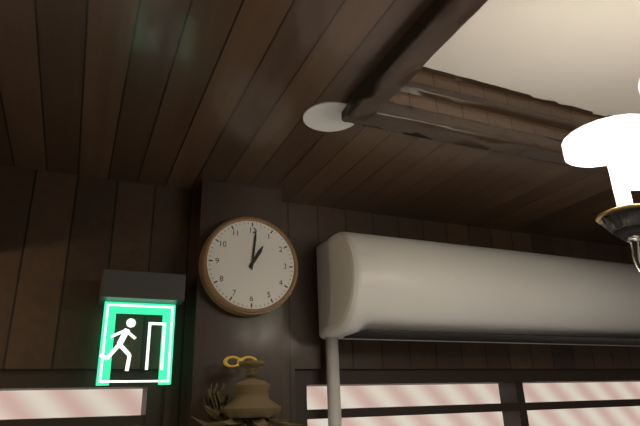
1:01
